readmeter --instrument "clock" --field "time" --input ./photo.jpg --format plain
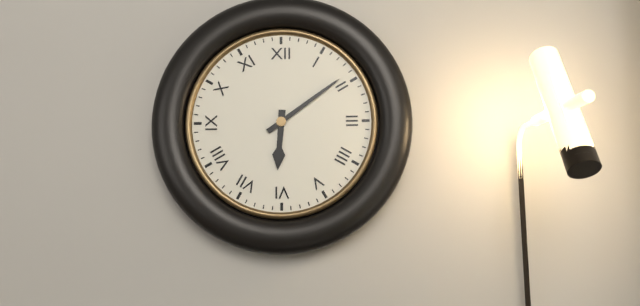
6:09
